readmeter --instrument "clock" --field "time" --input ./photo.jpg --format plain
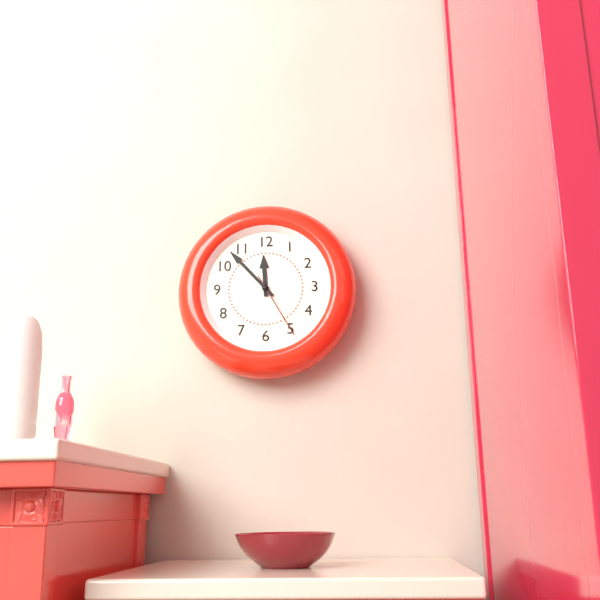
11:53:25
